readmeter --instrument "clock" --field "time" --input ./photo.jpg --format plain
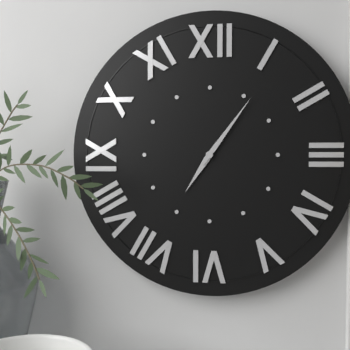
7:06
